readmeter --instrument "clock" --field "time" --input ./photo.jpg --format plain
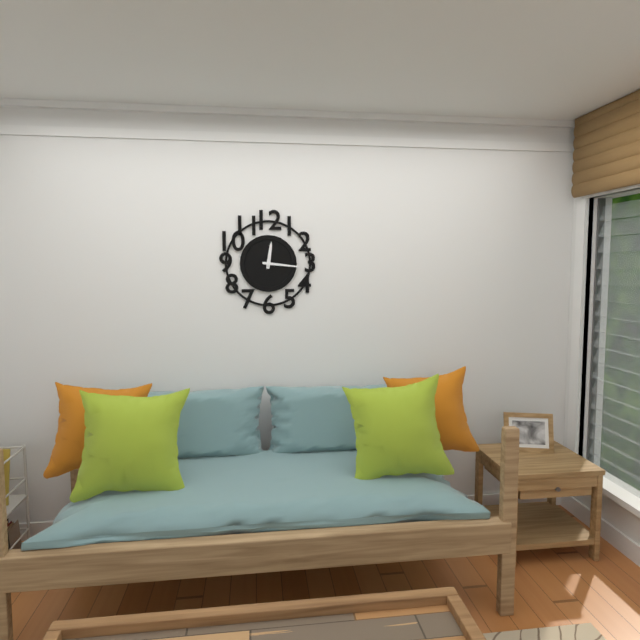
12:16
